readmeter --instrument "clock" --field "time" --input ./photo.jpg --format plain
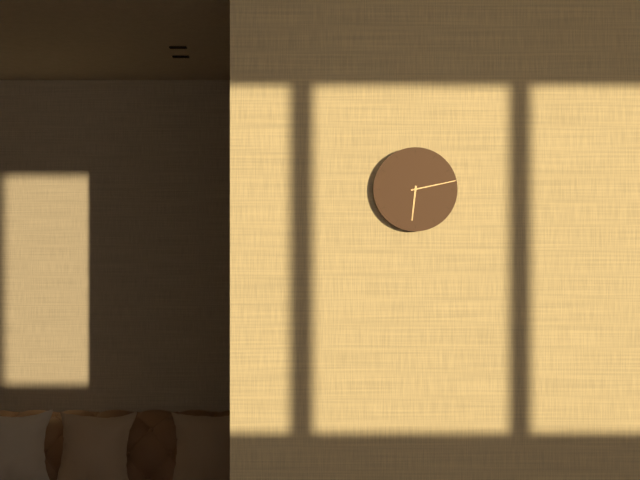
6:13
